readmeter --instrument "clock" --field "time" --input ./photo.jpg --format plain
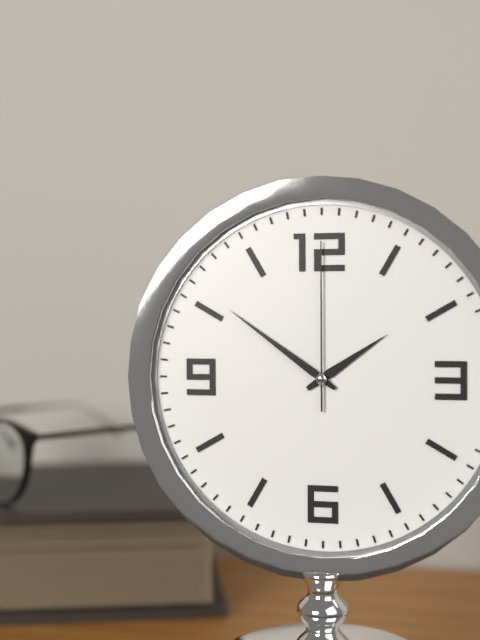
1:51:00
